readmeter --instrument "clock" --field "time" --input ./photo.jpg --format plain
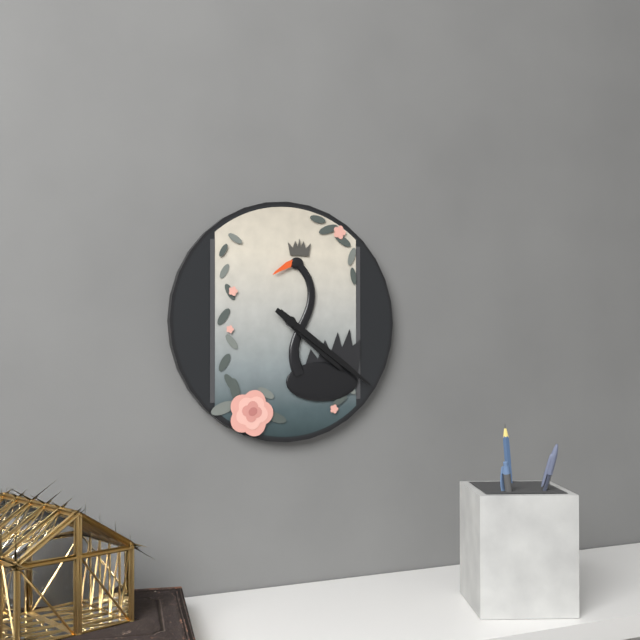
4:21
